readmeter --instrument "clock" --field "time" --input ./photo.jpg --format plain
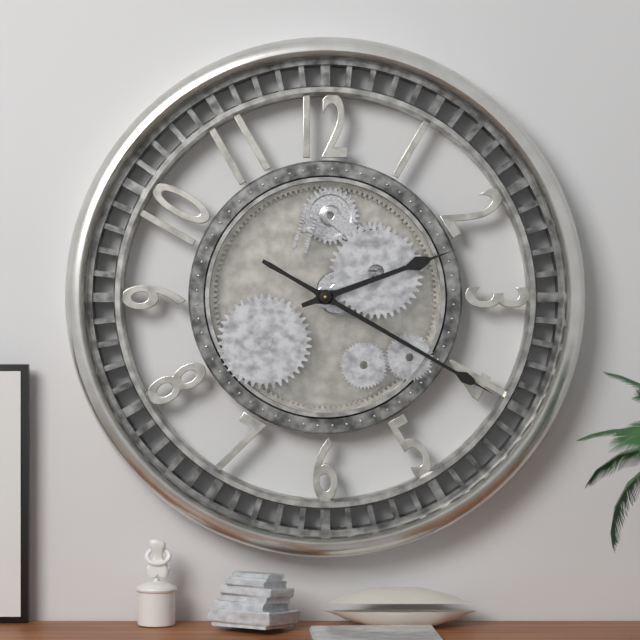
2:20
